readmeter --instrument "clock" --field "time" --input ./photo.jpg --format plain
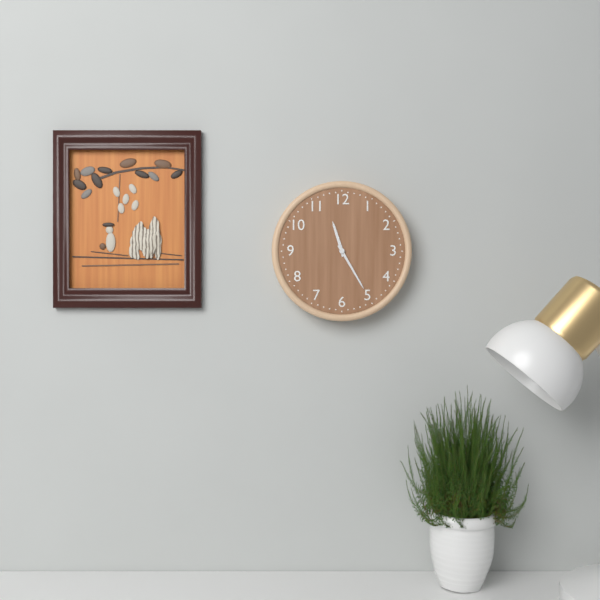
11:25
